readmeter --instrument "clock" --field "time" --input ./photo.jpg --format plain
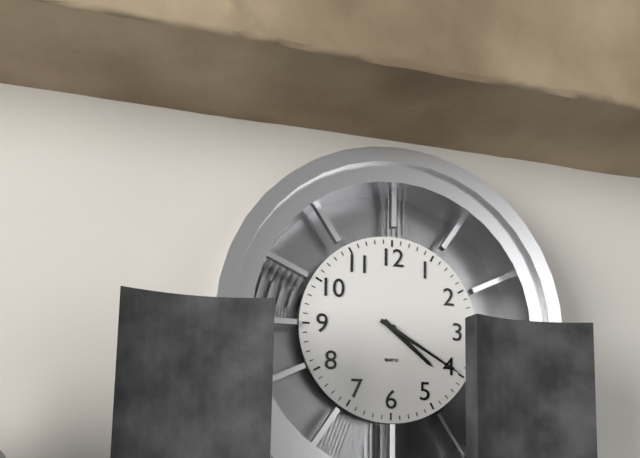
4:20
